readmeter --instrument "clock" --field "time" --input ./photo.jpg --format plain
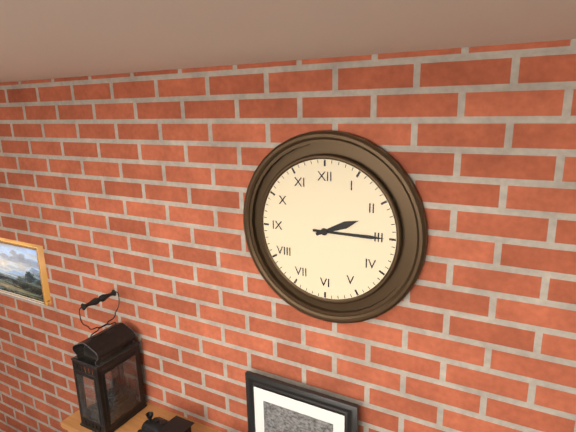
2:15
